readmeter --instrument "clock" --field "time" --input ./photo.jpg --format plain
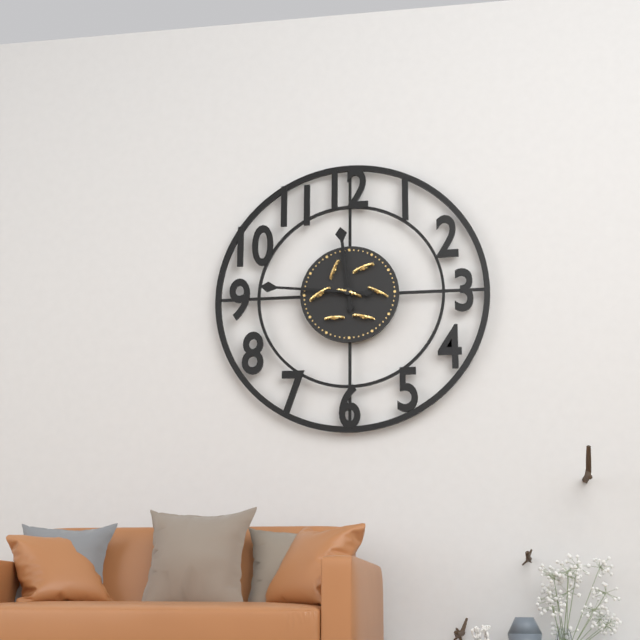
11:46
